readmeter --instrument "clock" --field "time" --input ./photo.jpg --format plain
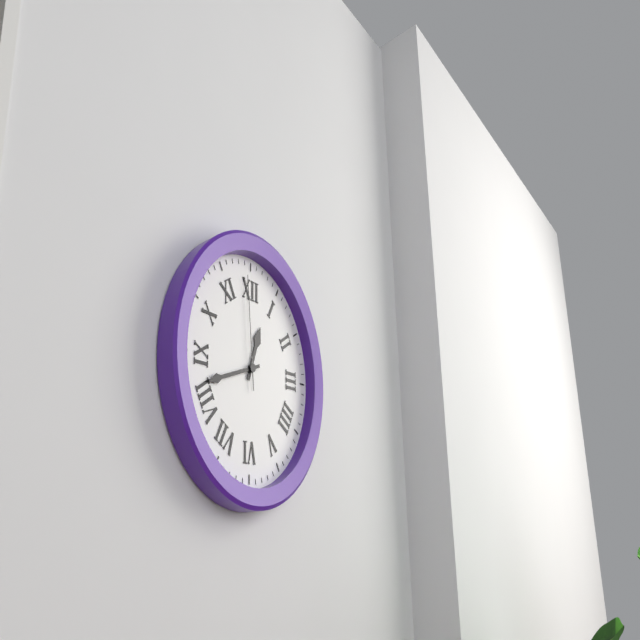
12:42:59
